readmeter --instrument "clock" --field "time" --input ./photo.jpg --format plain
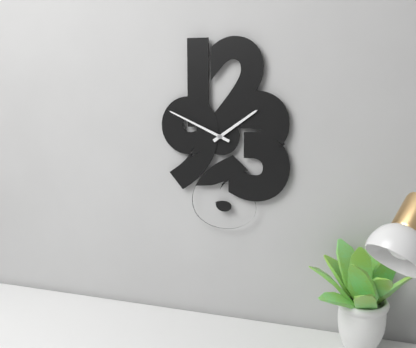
1:49
